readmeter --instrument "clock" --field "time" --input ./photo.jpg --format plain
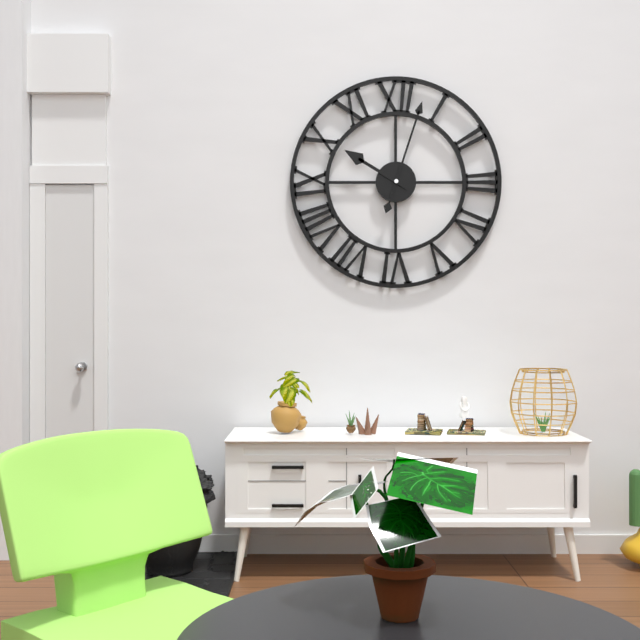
10:03
